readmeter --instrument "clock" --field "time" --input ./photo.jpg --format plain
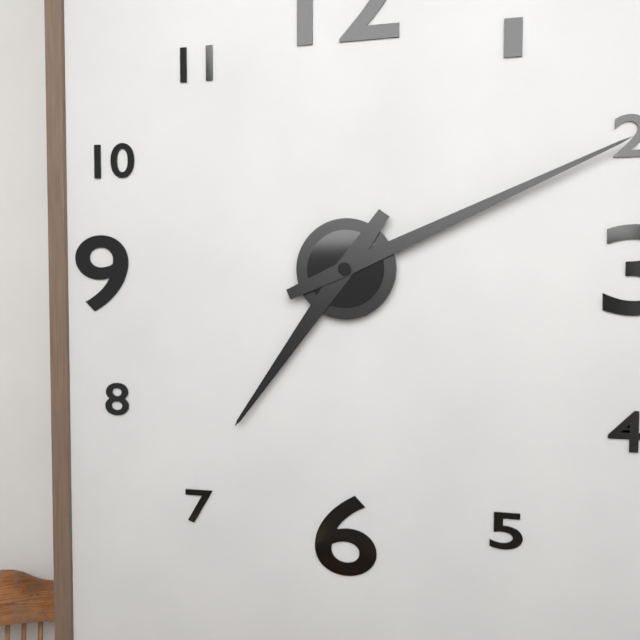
7:11
